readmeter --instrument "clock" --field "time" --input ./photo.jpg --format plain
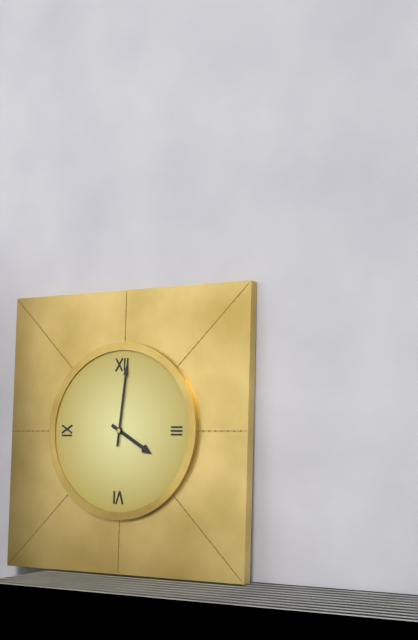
4:01
